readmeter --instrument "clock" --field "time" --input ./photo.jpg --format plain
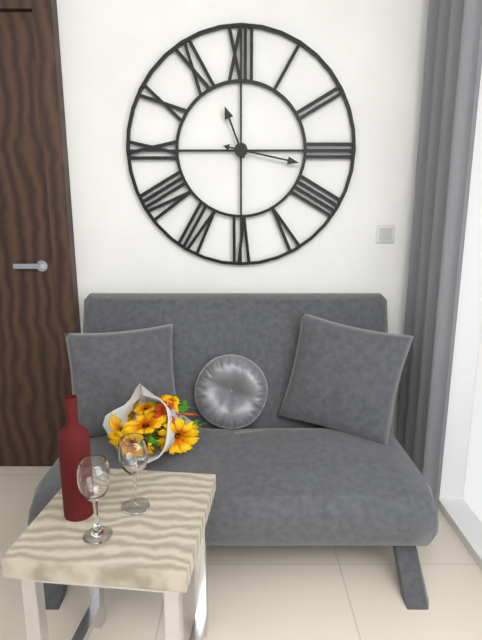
11:17
